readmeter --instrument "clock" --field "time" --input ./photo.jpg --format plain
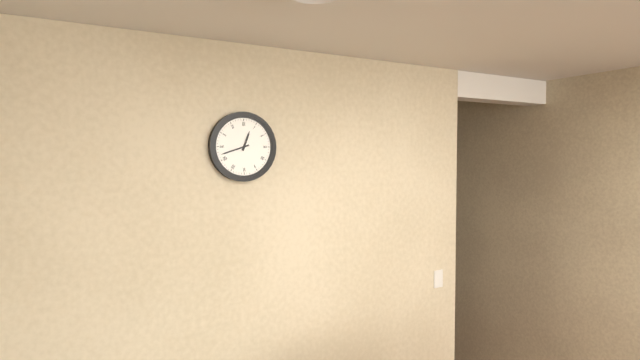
12:42
